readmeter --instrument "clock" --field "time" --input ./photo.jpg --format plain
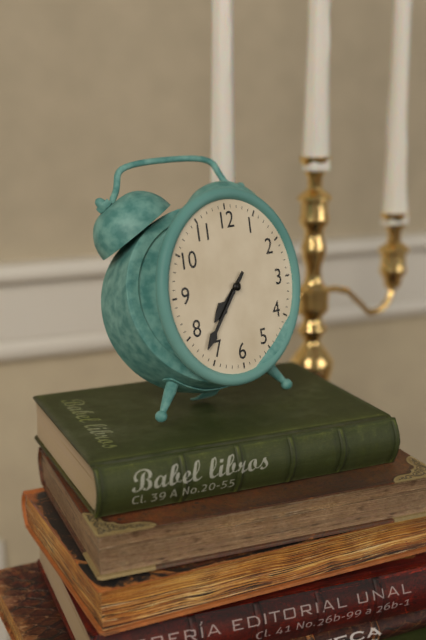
7:37
